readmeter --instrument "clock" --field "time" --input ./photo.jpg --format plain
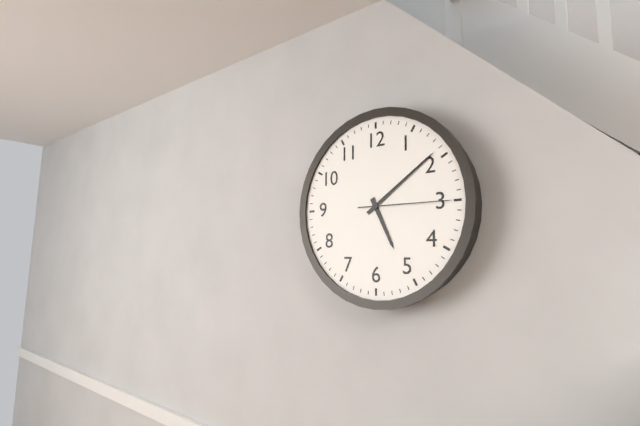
5:09:15
